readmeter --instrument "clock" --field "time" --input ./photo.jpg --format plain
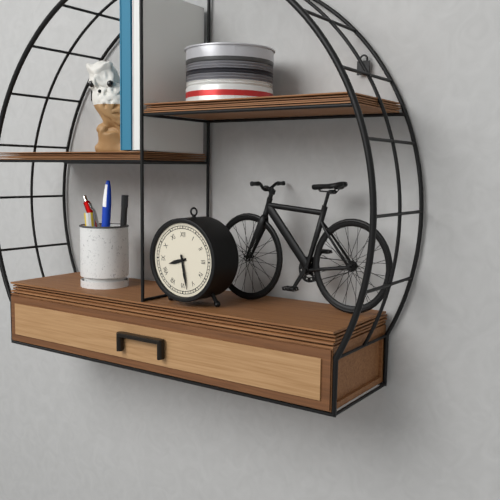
8:28
